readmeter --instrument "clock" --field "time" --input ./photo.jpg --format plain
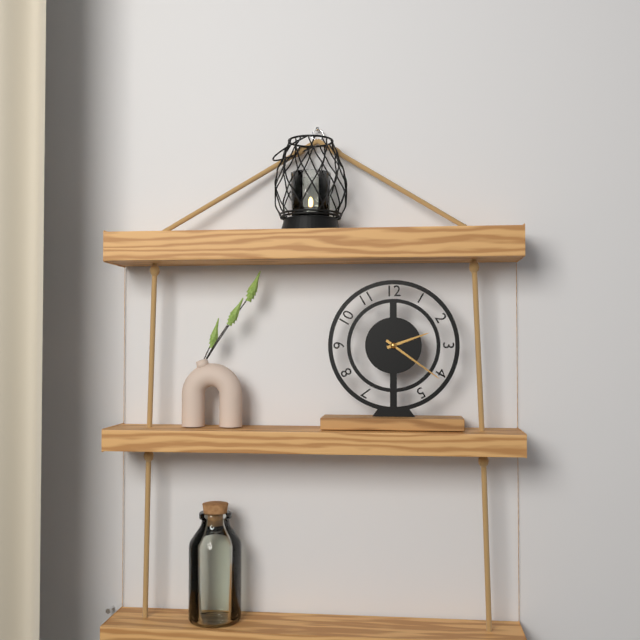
2:21
